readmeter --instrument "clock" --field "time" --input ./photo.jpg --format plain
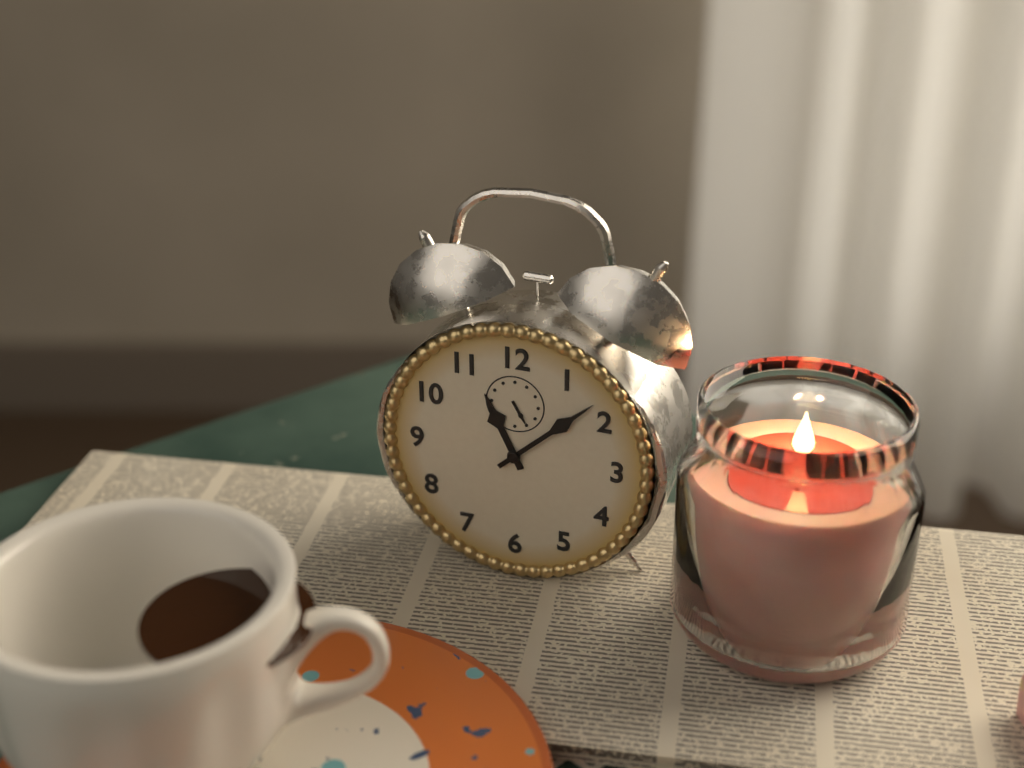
11:08
